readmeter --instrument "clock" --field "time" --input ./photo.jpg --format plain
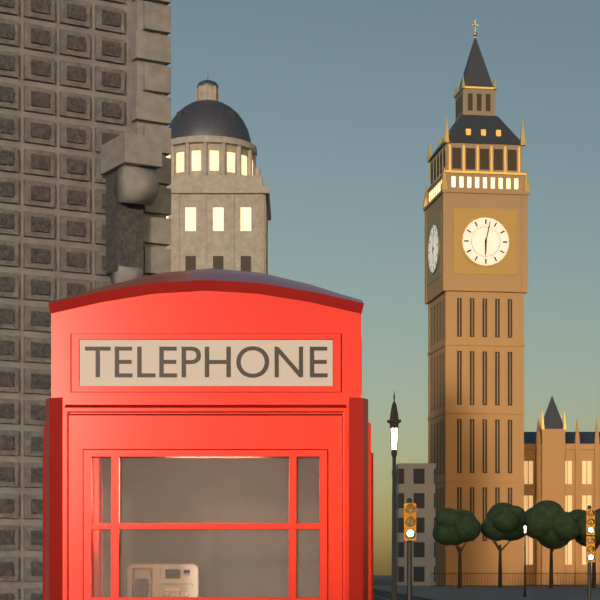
6:02
